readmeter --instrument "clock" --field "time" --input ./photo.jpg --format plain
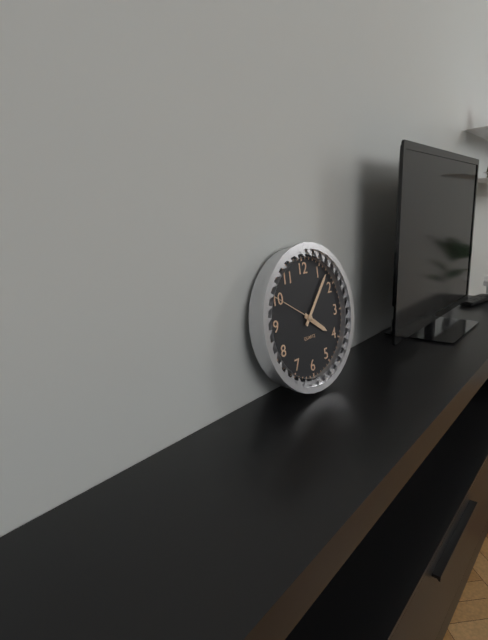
4:07
